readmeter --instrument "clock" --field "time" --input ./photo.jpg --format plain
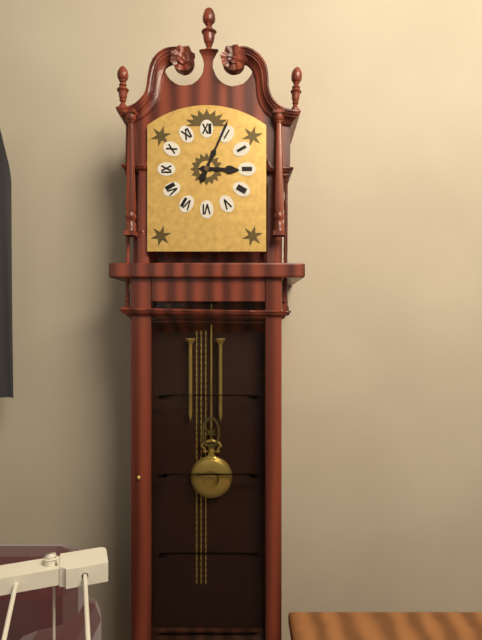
3:04
